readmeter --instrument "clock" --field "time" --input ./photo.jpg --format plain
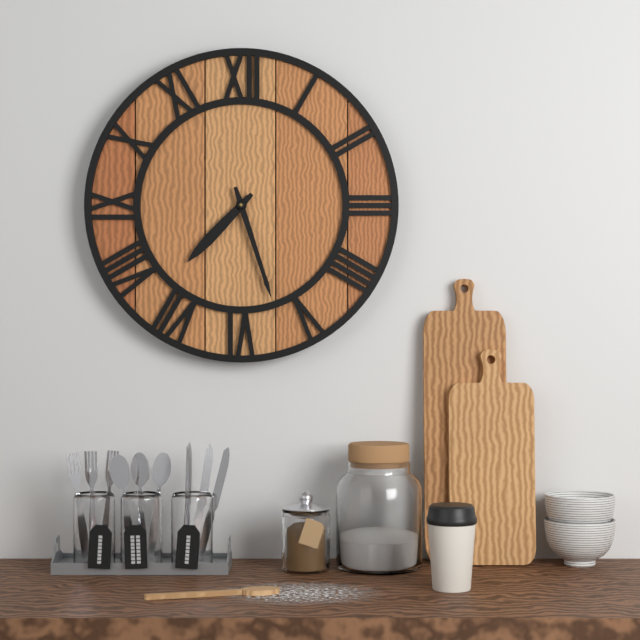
7:27
